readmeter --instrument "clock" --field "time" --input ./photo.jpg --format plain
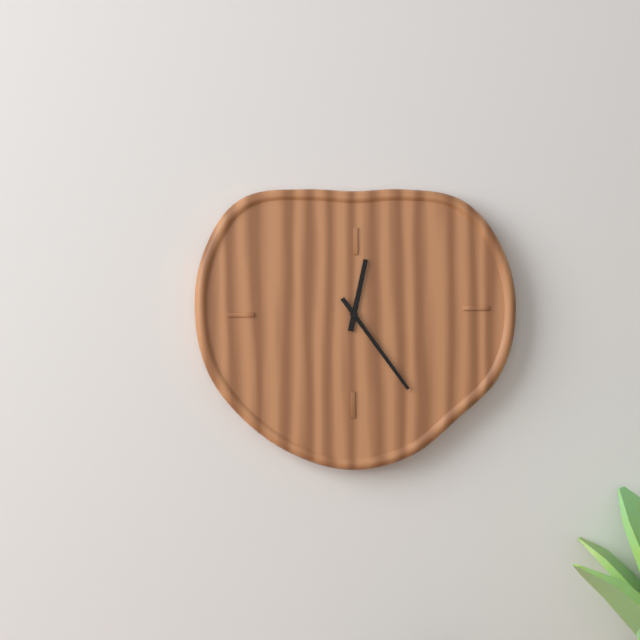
12:24
